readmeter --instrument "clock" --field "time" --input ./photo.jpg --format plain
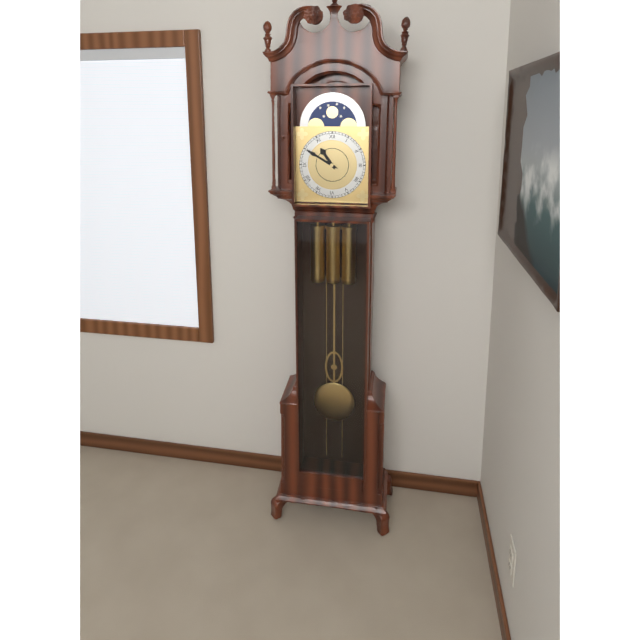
10:50
